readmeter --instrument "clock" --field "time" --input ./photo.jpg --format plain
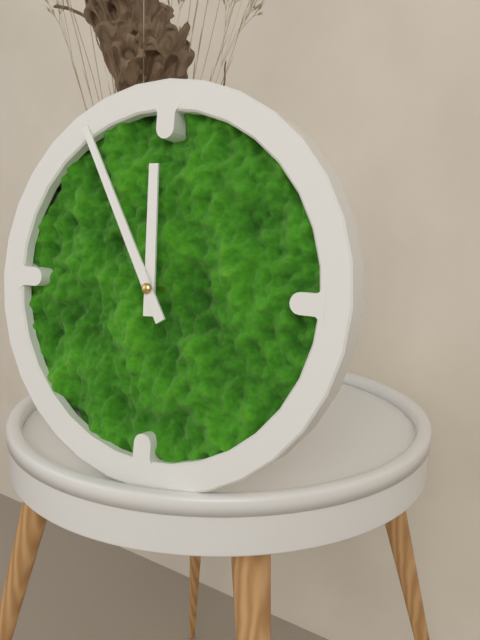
11:55
